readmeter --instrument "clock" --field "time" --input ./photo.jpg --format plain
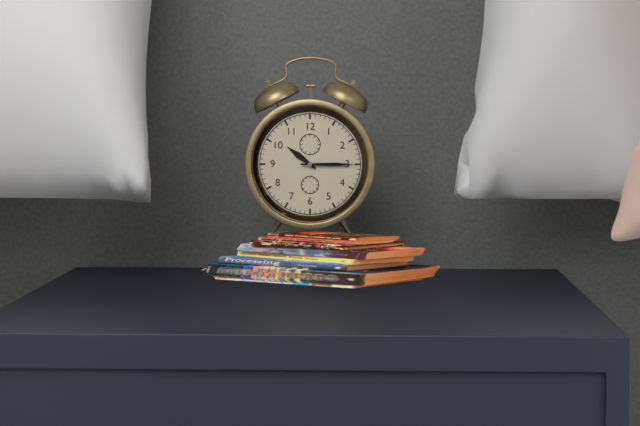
10:15
